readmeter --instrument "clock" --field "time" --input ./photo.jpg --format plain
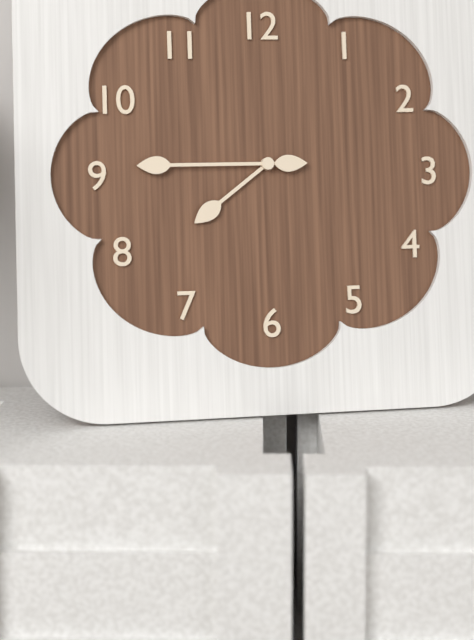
7:45
